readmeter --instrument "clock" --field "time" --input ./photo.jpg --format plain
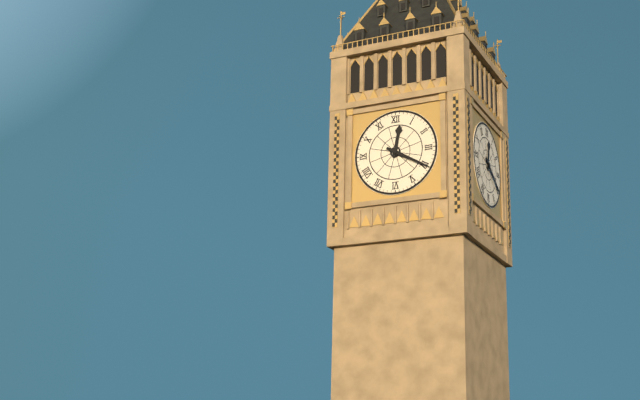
12:20
